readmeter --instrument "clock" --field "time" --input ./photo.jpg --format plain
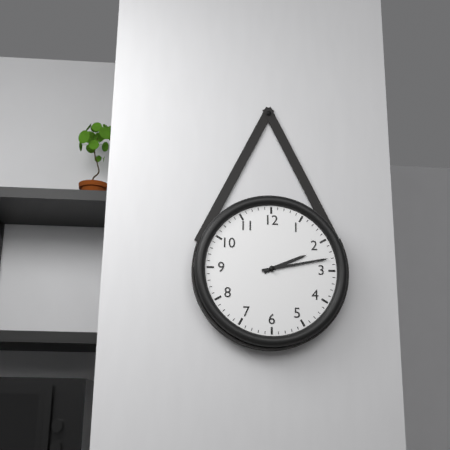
2:13
